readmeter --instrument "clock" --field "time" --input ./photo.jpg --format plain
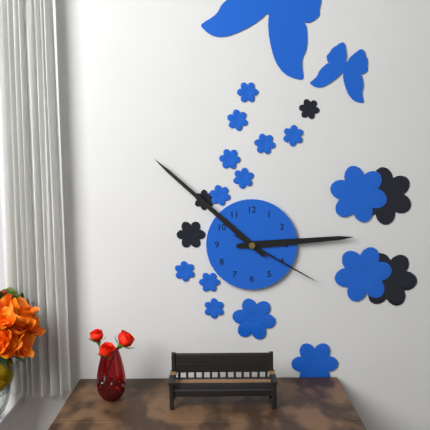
2:52:20
